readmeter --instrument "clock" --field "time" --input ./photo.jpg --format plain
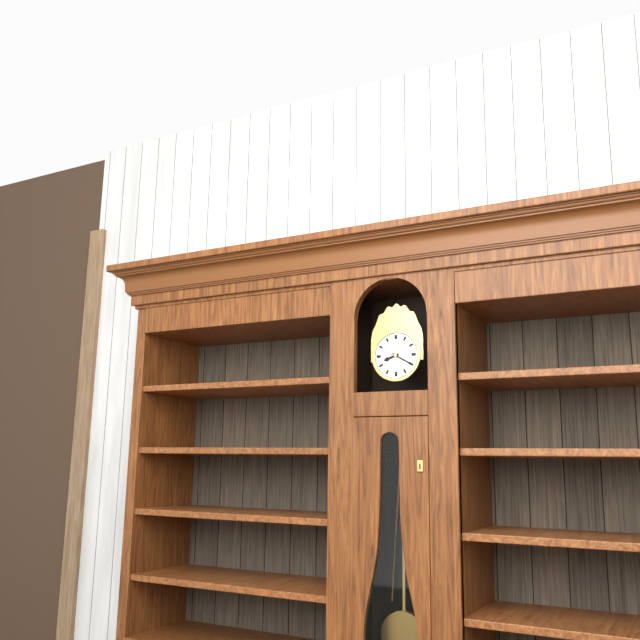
8:20
